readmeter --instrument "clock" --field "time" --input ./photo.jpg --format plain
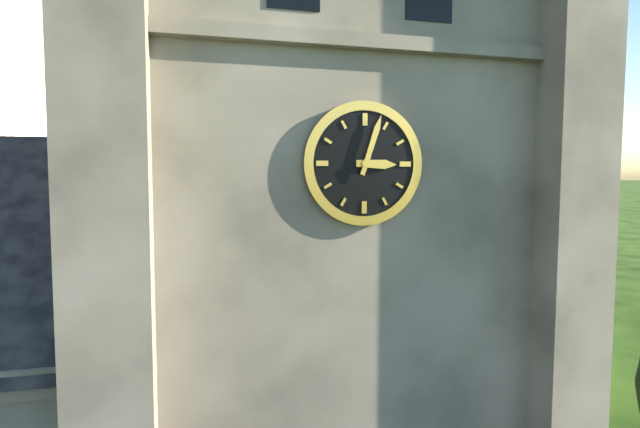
3:03
